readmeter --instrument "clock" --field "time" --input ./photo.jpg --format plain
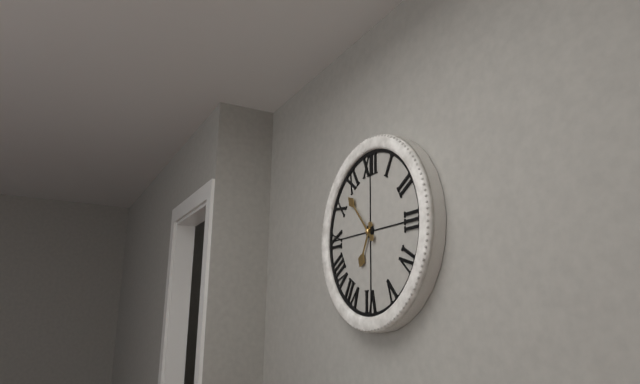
6:53
